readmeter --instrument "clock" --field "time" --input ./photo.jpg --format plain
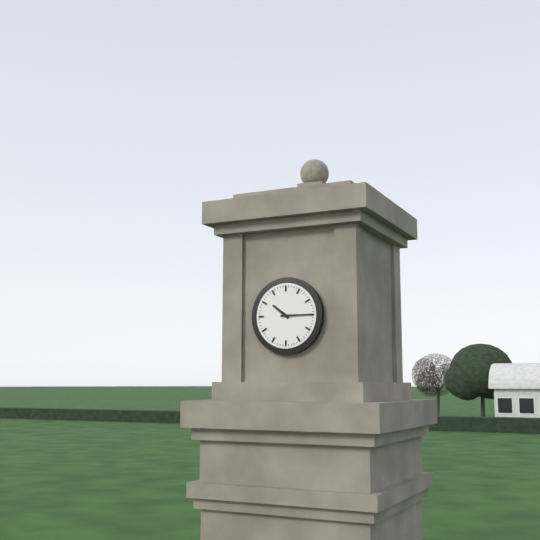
10:15
